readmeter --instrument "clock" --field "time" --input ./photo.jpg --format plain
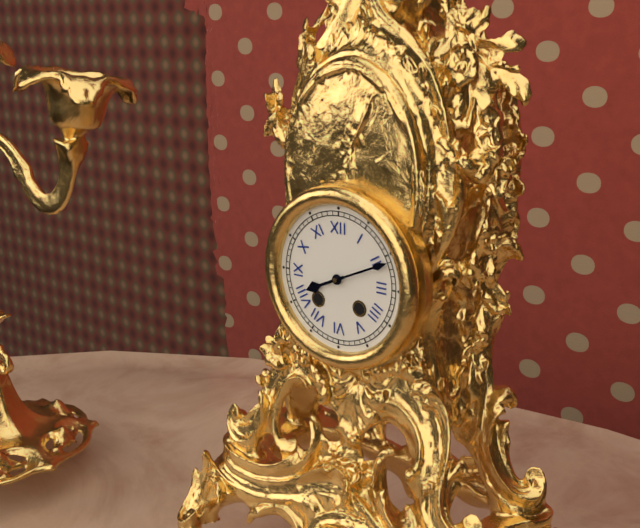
8:11
